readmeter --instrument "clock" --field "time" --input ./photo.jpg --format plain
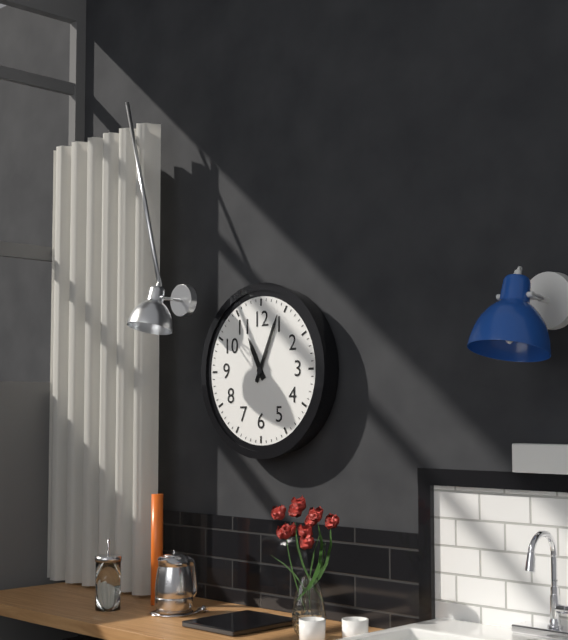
11:04
